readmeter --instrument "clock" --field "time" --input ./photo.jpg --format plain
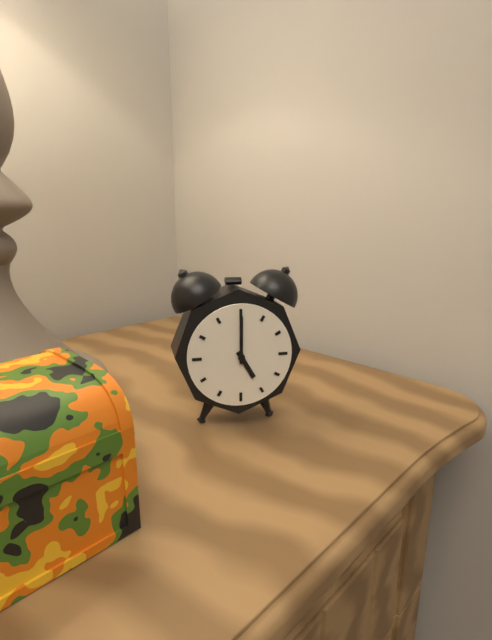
5:00
